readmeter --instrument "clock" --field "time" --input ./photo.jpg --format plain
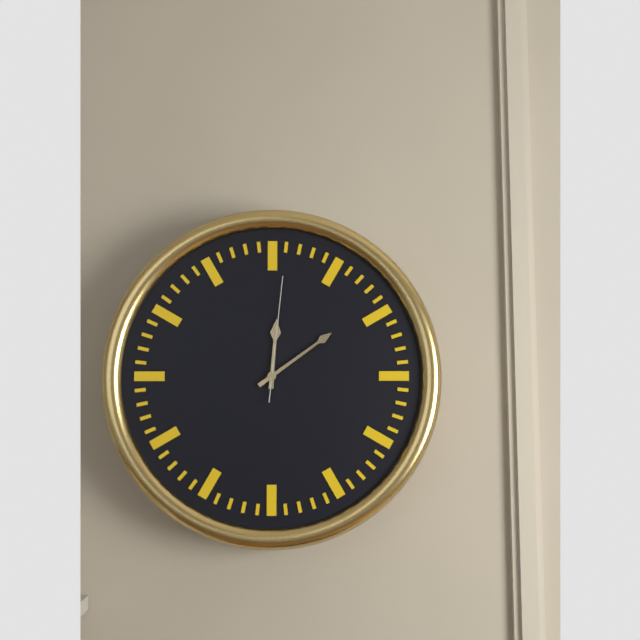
12:09:01
